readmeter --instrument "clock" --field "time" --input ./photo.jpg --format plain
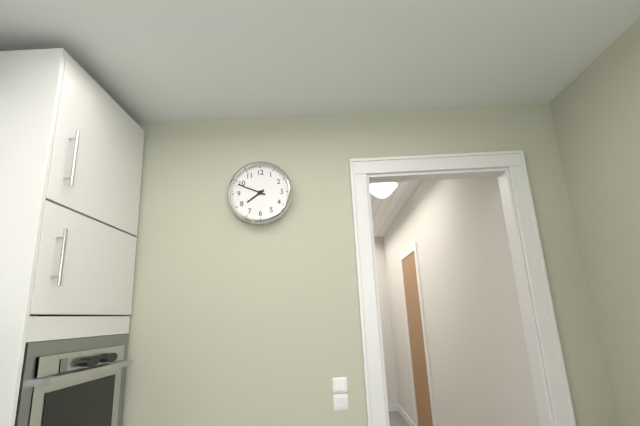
7:49
